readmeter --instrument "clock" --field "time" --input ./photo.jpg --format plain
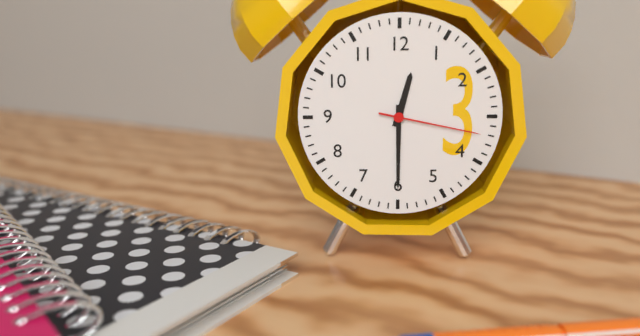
12:30:17
